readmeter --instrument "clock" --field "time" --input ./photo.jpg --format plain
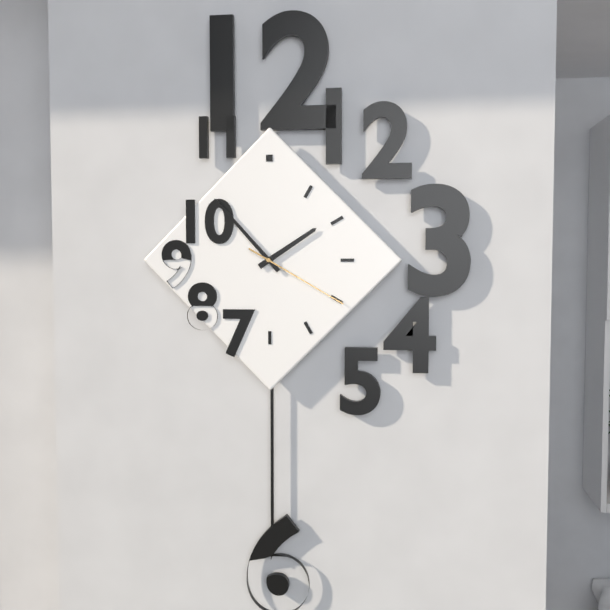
1:53:20
